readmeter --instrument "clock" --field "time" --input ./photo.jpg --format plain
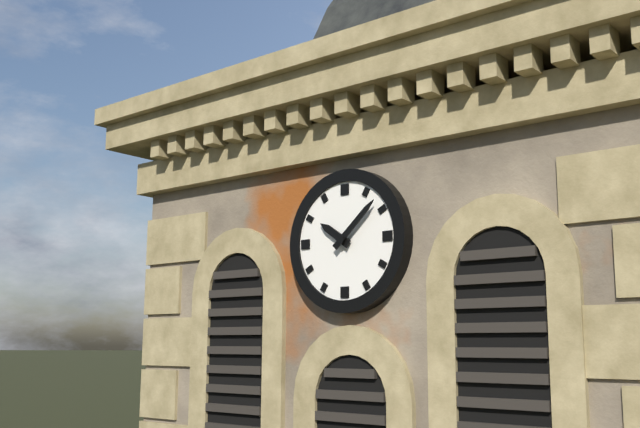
10:08
